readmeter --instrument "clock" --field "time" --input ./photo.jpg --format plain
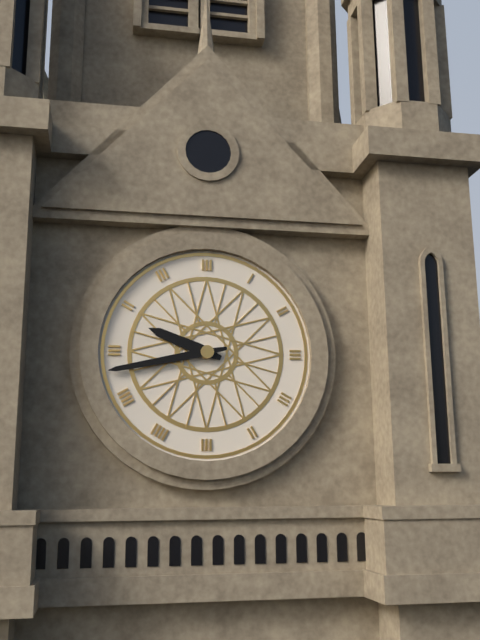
9:43
